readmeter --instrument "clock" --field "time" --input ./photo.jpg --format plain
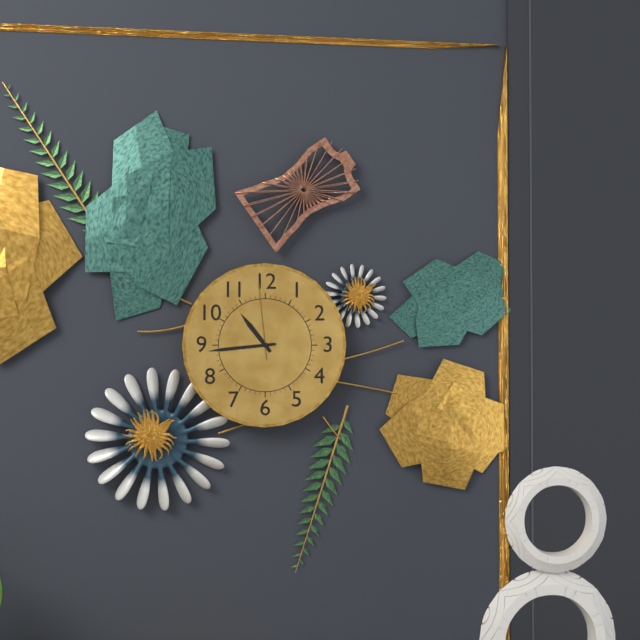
10:44:59
